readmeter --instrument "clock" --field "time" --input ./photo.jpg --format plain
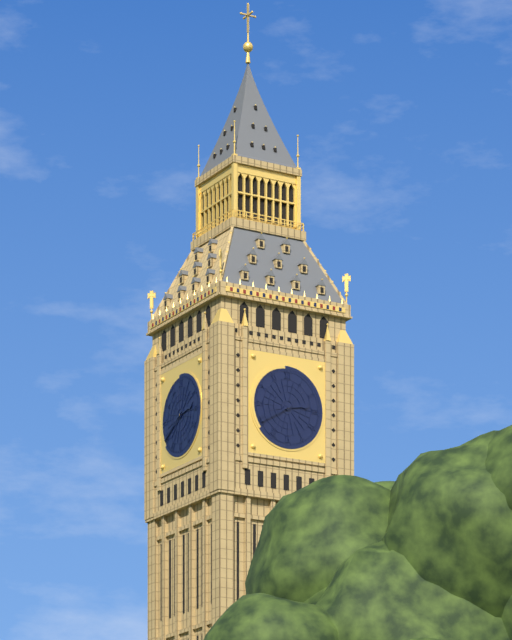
2:40
